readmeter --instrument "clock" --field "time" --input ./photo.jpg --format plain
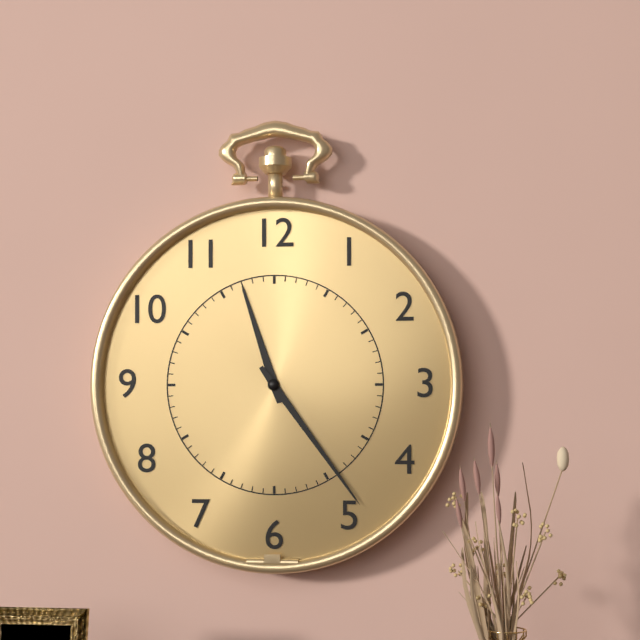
11:24
